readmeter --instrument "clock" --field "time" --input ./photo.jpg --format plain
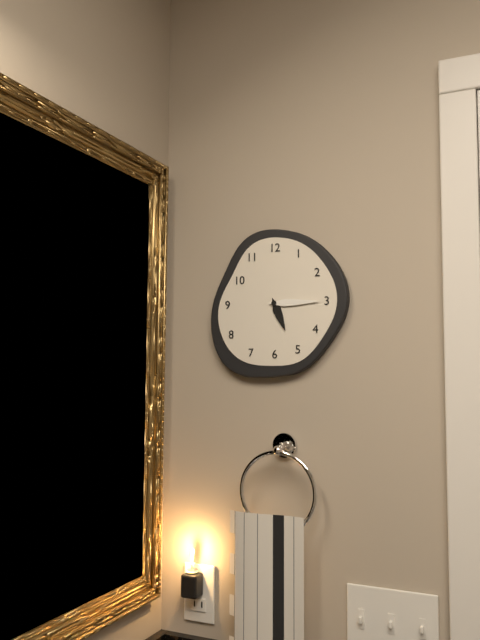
5:15
